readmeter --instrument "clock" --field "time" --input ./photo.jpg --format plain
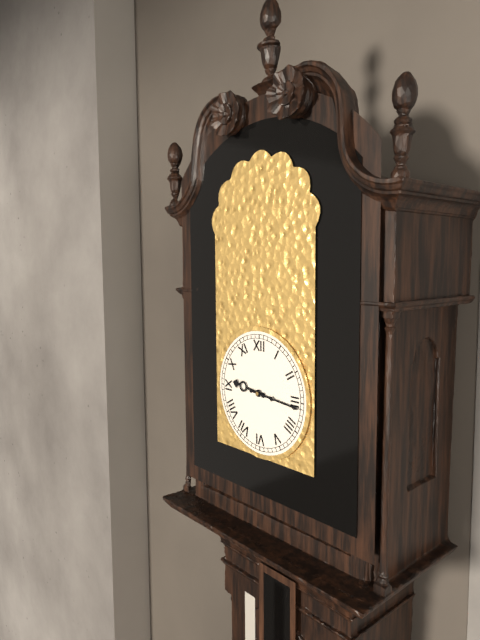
9:16
